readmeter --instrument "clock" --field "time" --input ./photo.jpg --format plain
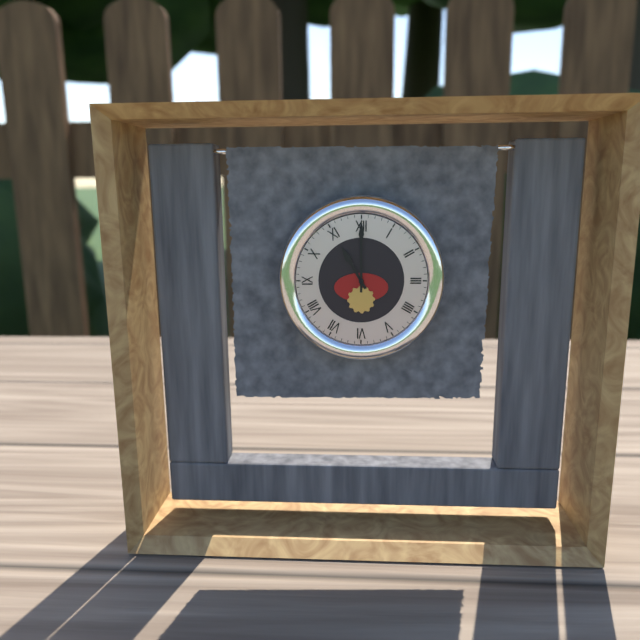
11:00
